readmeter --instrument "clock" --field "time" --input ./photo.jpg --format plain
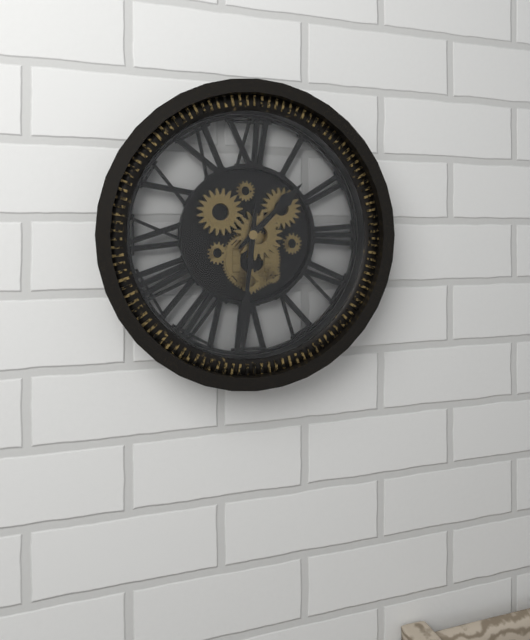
1:31
